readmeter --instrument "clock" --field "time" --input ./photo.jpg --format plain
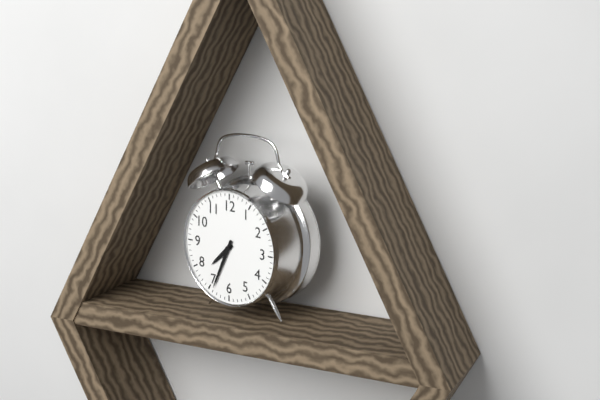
7:34
